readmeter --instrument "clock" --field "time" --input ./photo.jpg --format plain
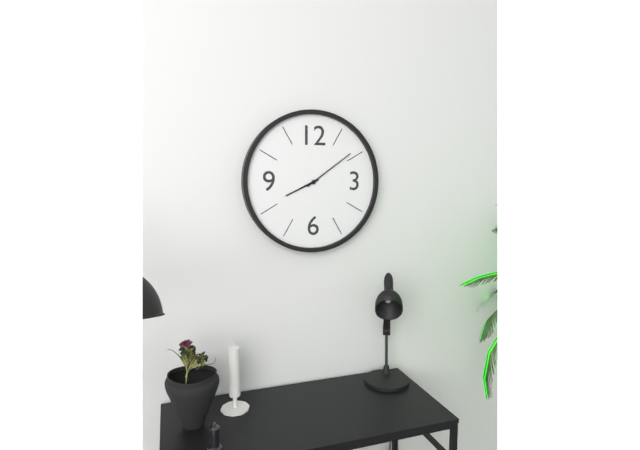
8:09
